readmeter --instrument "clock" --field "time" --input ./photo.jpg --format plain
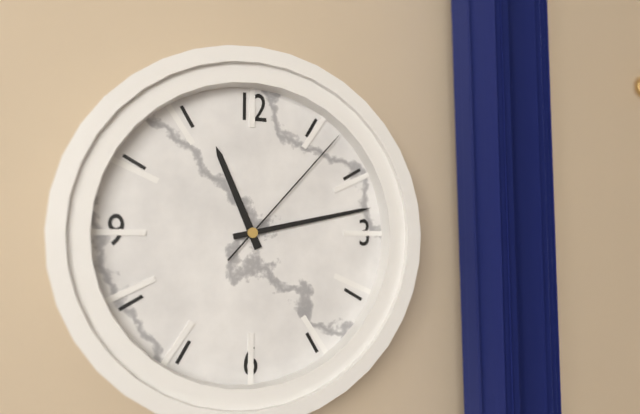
11:13:07
